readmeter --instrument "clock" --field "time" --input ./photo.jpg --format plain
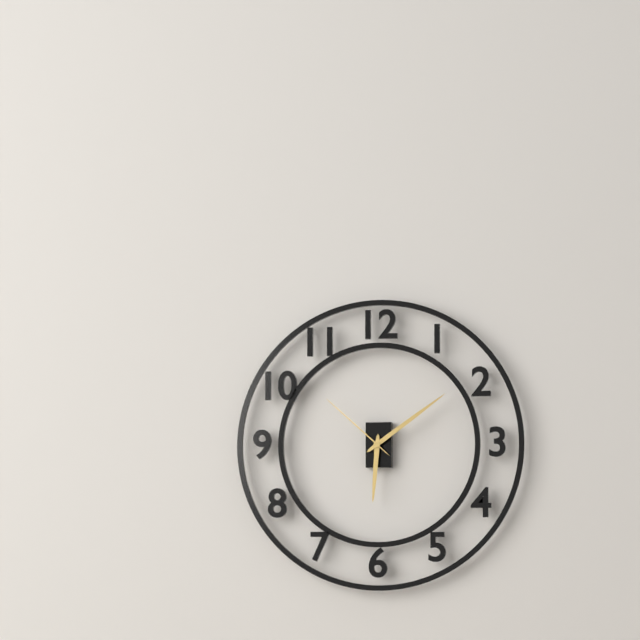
6:09:52
